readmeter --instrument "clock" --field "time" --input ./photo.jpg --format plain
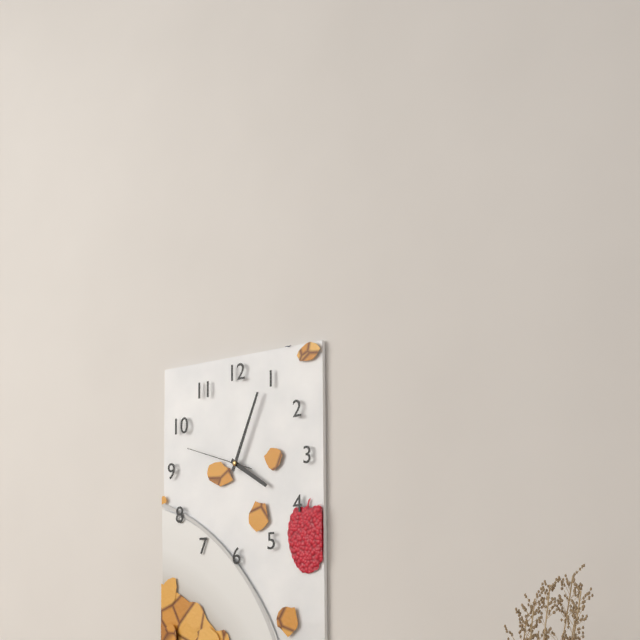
4:04:48
